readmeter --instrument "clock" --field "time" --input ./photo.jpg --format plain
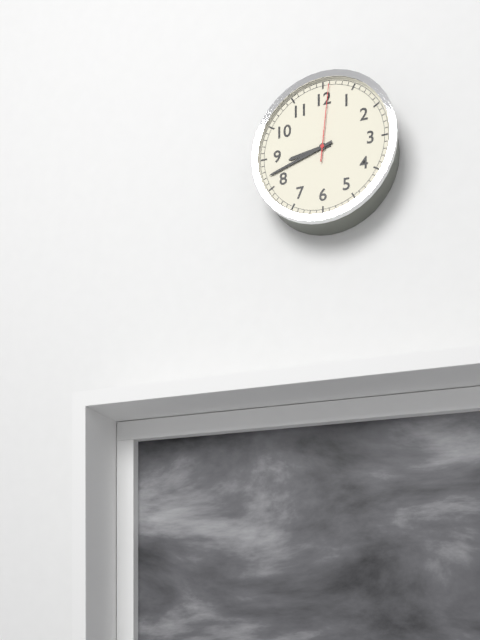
8:42:01
